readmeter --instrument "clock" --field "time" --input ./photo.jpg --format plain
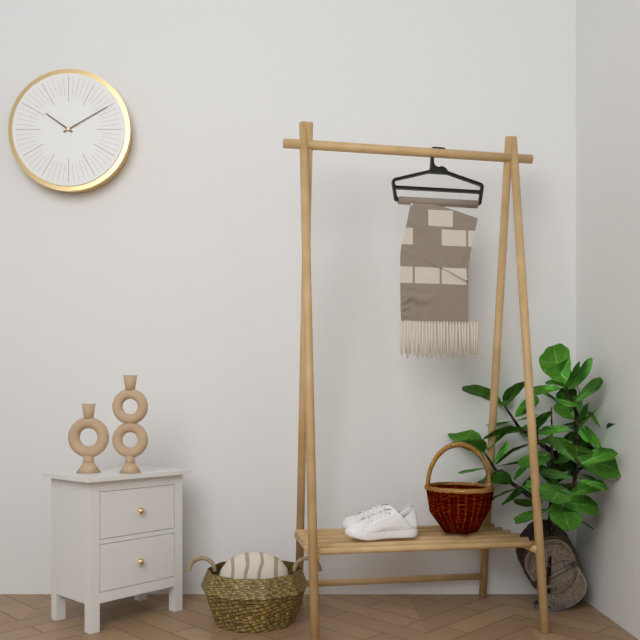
10:10
